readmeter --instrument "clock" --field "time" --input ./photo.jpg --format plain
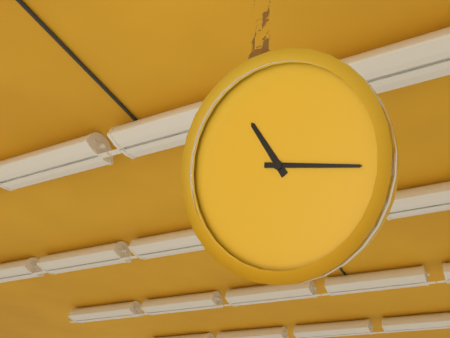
11:18
